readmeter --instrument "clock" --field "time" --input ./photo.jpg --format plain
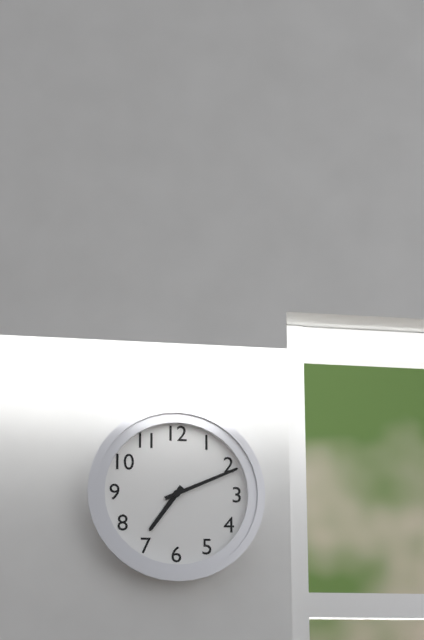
7:11
